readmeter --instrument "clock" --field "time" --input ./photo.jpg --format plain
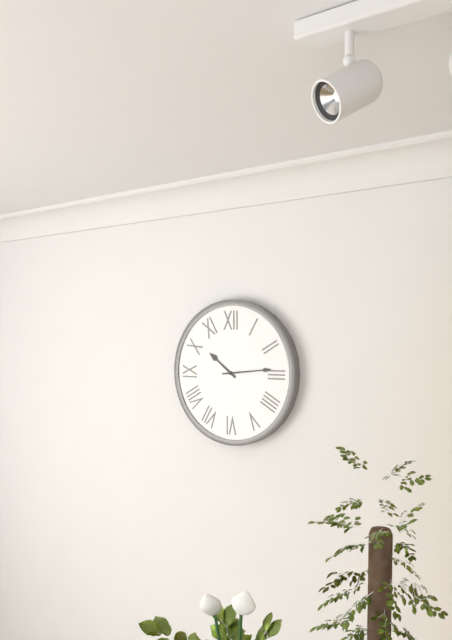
10:14
